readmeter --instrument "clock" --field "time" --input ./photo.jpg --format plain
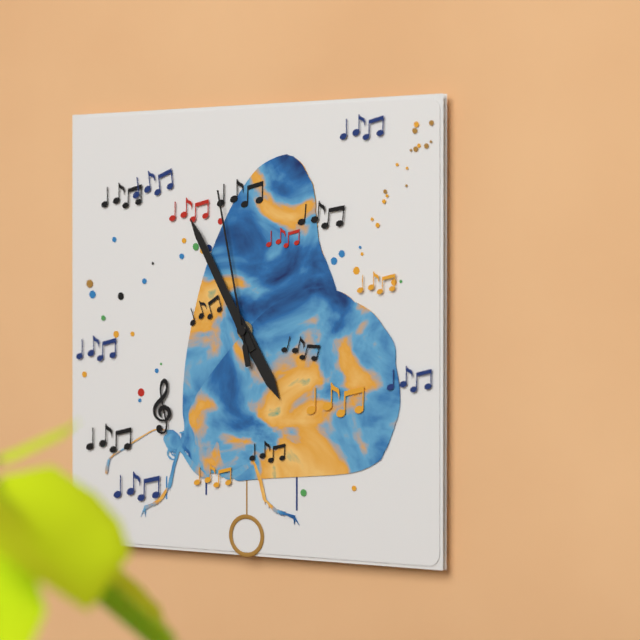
4:55:58
